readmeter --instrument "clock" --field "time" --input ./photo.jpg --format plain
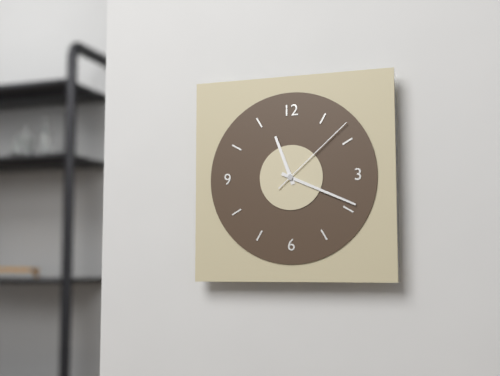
11:19:08
